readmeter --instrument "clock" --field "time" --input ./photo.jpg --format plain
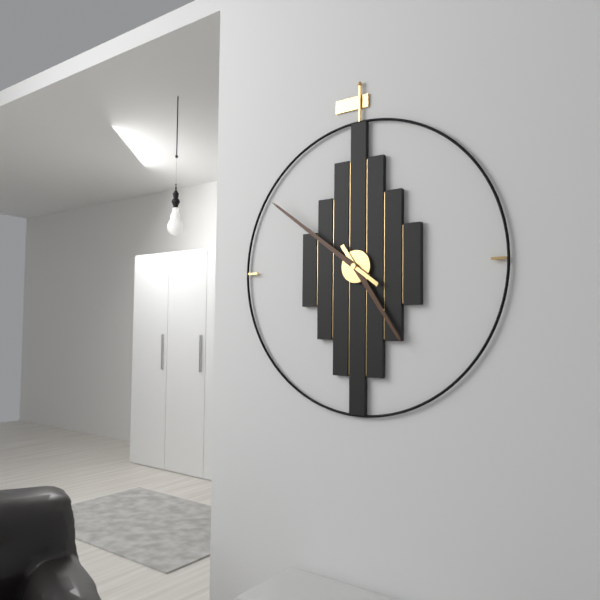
4:51
